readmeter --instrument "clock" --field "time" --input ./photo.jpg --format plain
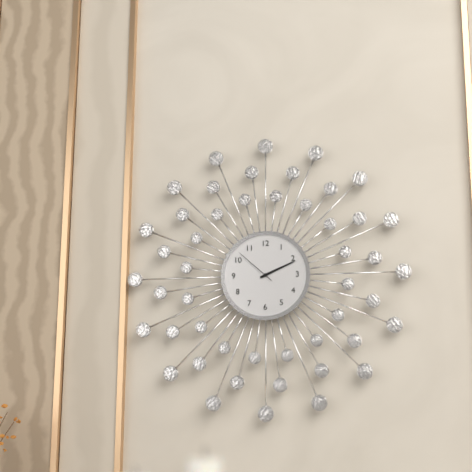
2:11
